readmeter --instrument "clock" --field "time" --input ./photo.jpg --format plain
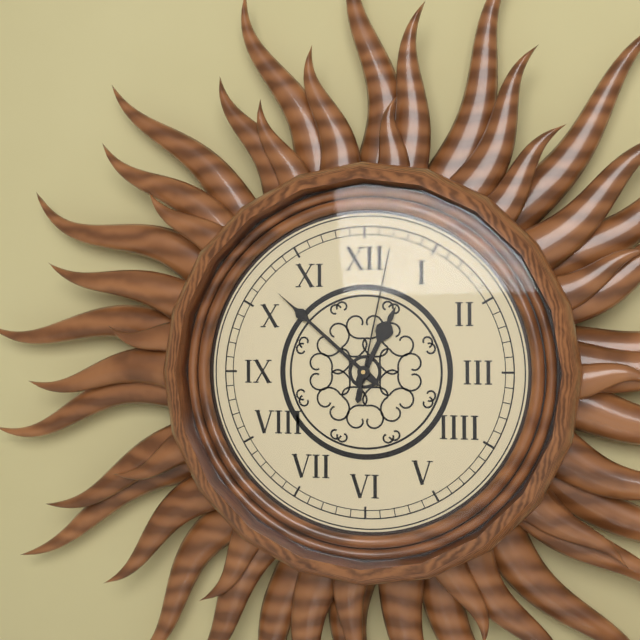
12:52:02
